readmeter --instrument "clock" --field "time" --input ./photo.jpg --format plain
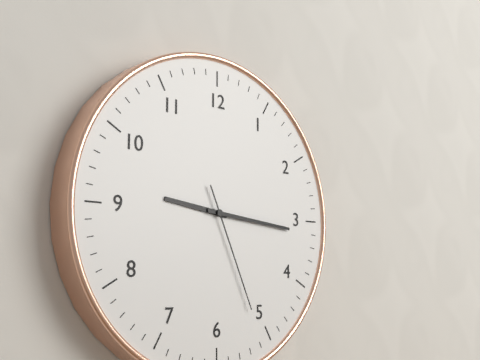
9:16:26
